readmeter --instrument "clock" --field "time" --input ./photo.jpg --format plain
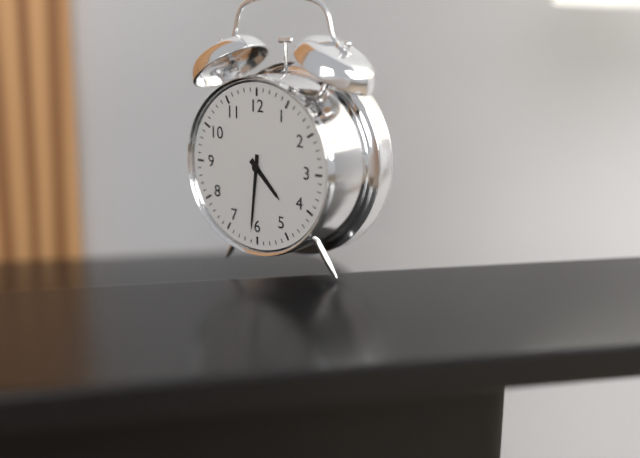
4:31
